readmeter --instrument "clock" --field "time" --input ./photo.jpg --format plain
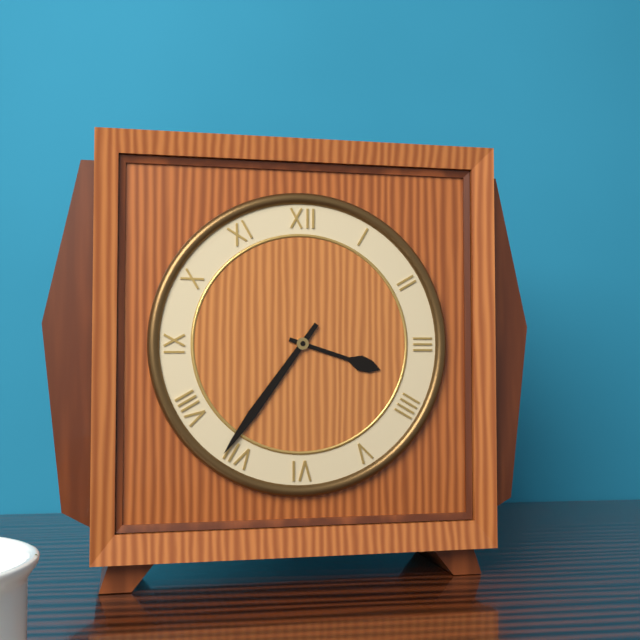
3:36
